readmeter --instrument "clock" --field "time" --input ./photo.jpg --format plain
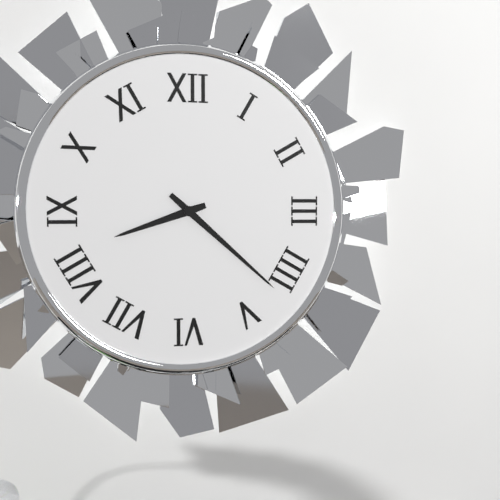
8:22
